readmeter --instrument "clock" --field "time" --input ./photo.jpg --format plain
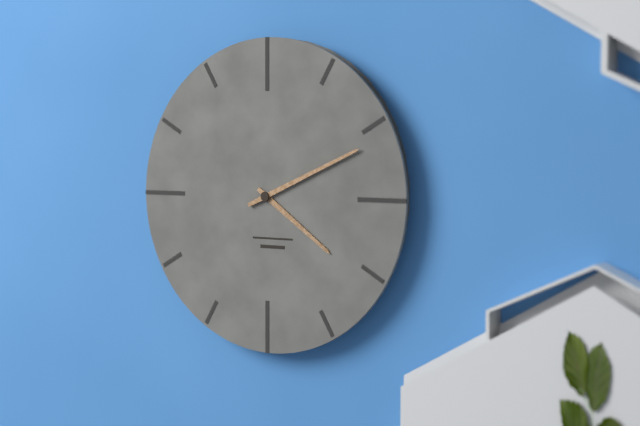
4:11
